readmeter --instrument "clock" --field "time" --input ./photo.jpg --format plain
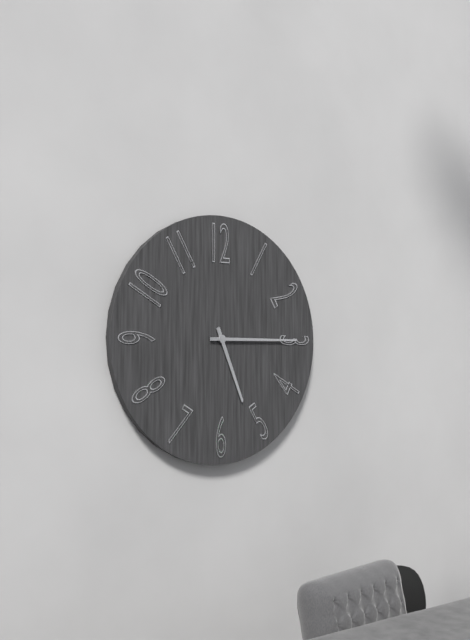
5:15
